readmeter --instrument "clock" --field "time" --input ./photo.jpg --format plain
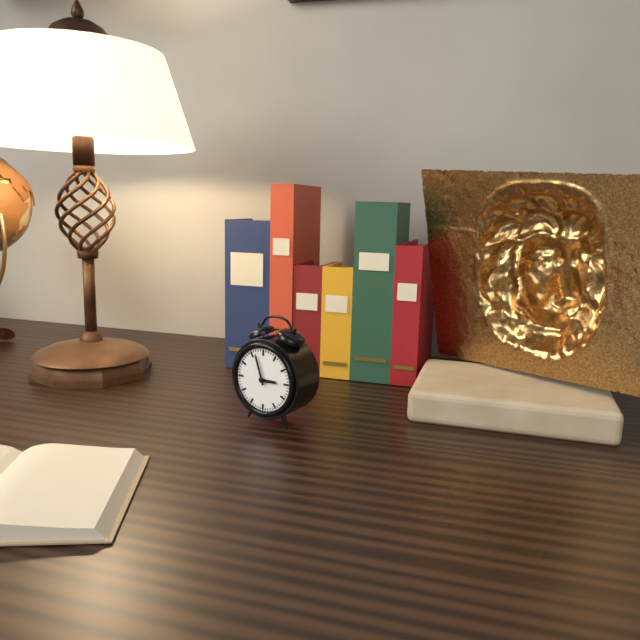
2:57
